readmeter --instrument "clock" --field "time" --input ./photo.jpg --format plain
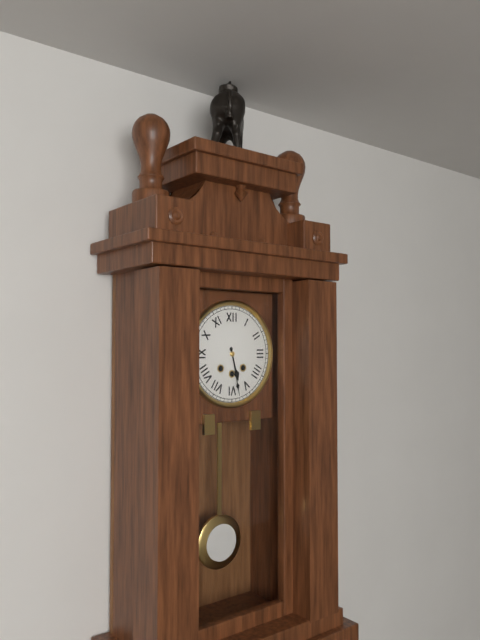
5:28
